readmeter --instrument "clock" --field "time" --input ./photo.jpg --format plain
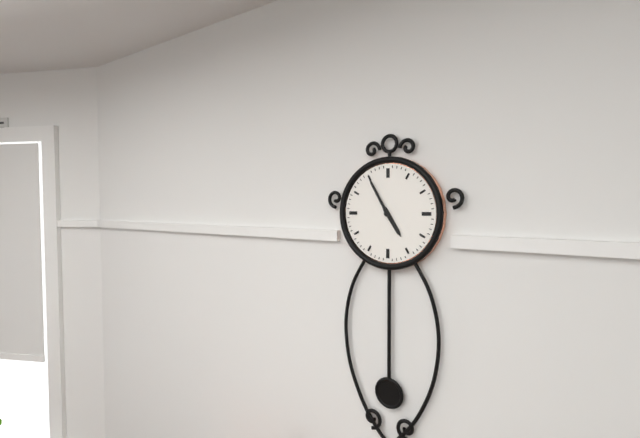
4:55
